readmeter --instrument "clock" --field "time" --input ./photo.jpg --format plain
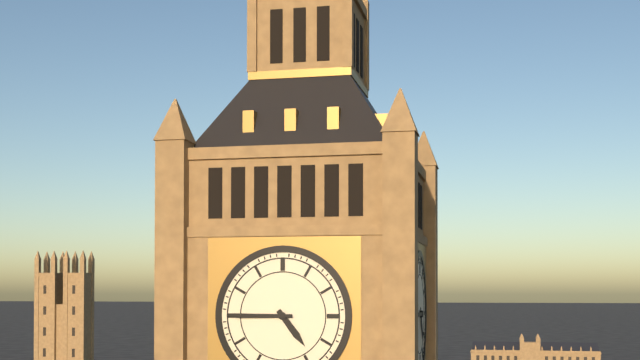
4:45
